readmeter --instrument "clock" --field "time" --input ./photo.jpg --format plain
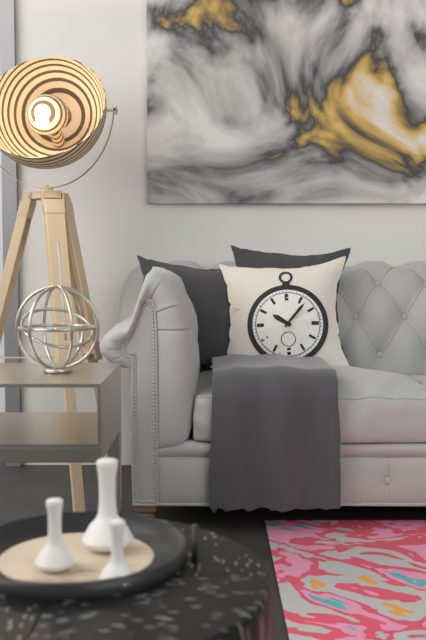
10:07
